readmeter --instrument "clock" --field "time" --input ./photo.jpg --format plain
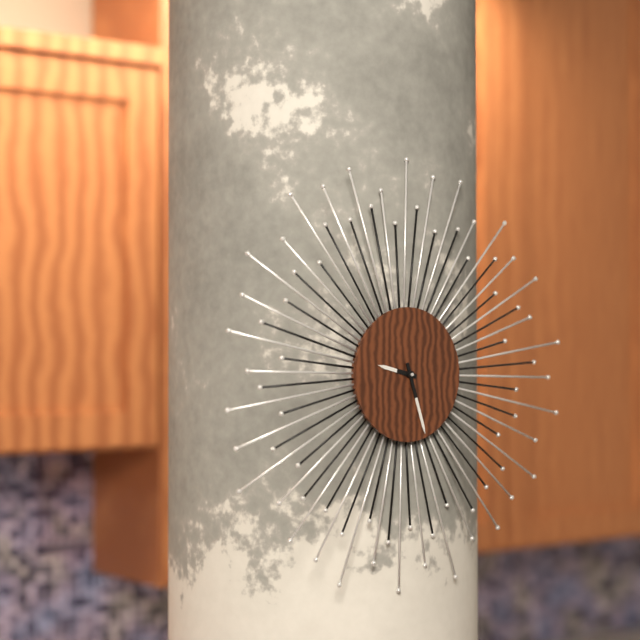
9:27
